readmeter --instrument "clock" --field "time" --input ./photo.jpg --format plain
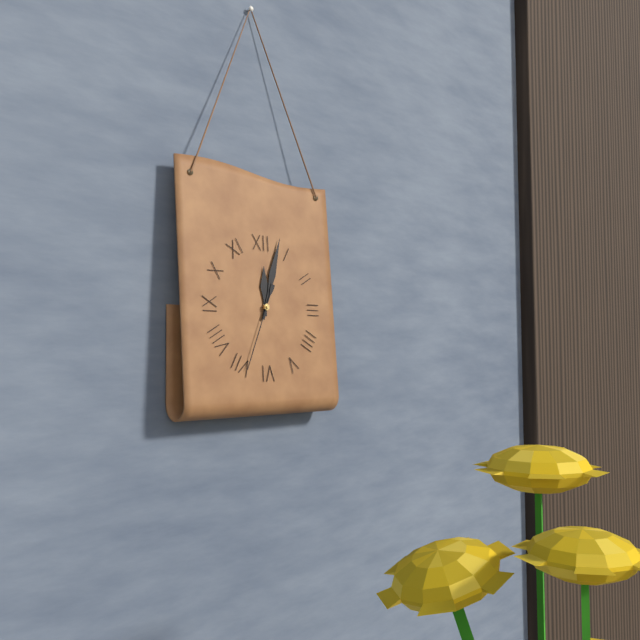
12:03:34
